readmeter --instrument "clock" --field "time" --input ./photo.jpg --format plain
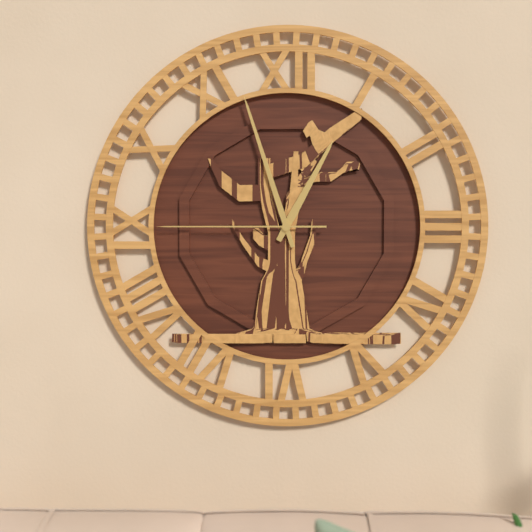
12:57:45
